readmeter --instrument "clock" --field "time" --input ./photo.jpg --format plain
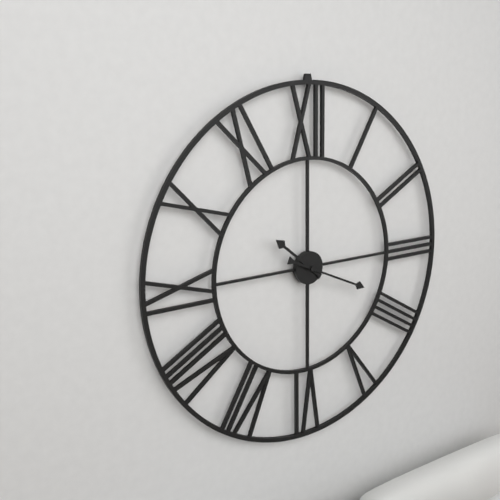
10:19
